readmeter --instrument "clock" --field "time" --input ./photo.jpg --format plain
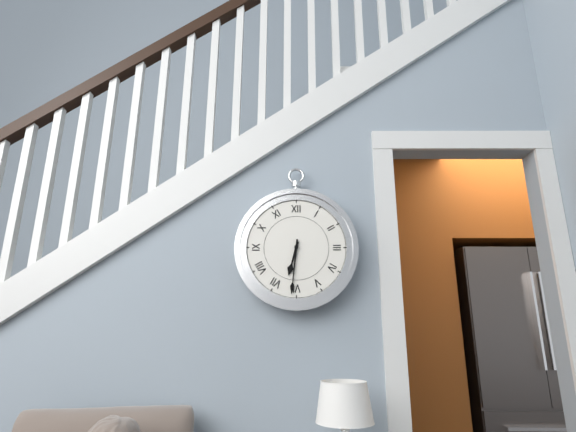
6:31
